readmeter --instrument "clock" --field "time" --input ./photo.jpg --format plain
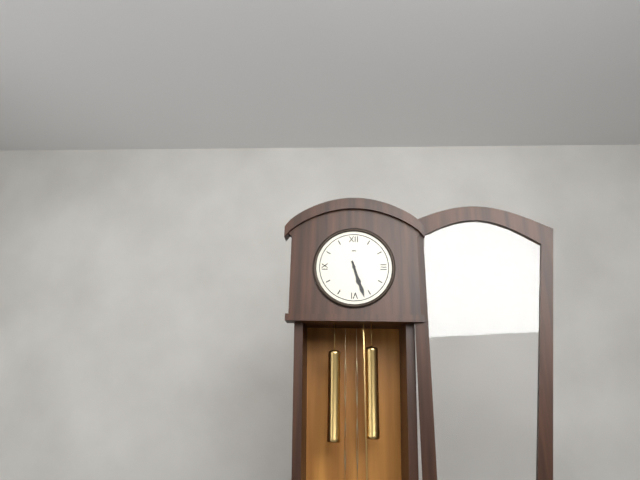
5:27
